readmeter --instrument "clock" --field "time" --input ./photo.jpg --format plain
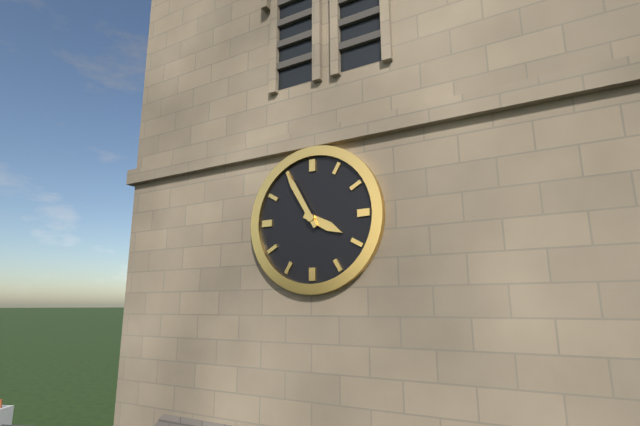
3:55
